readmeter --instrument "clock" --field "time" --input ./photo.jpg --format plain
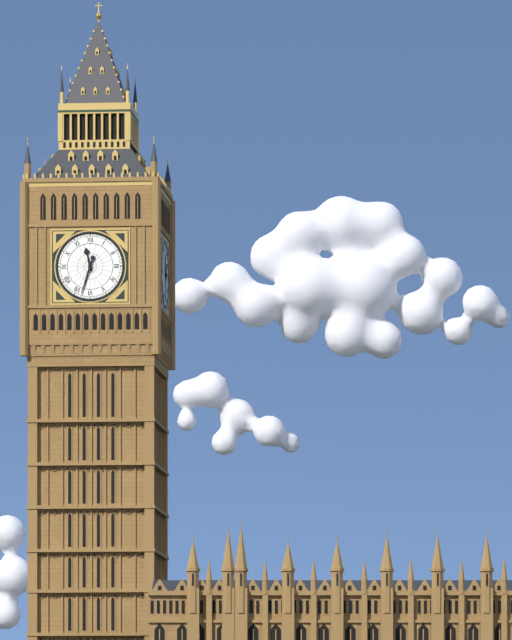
11:33
